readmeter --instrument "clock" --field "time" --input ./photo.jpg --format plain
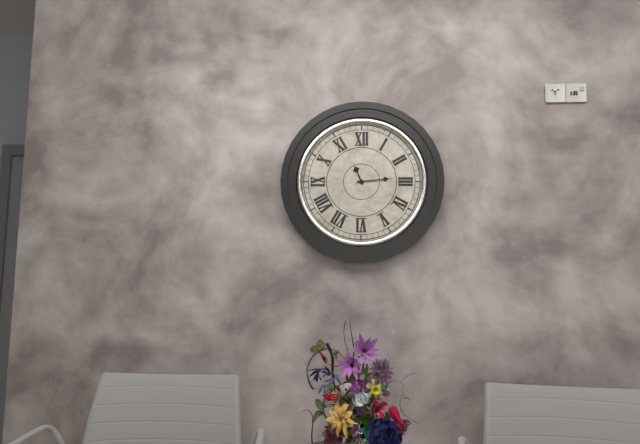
11:14
